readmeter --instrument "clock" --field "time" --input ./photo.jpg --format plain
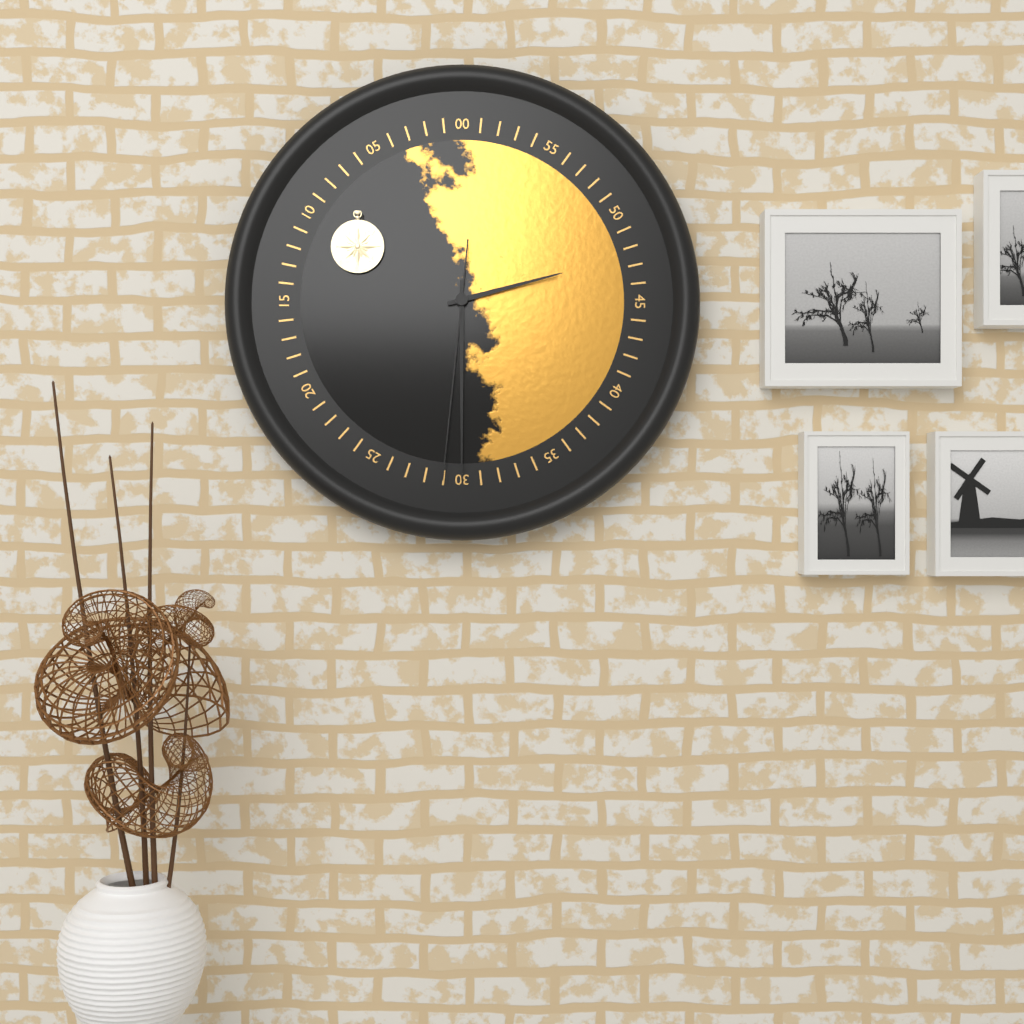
2:30:31
